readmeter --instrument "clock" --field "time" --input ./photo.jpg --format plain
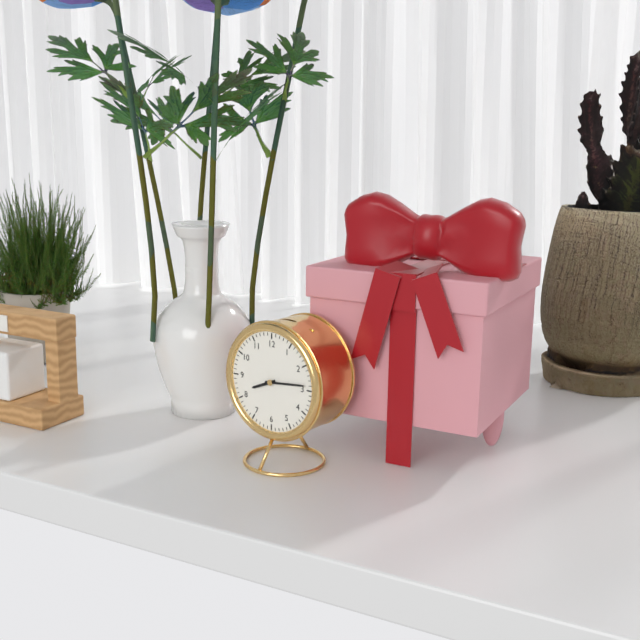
8:14
